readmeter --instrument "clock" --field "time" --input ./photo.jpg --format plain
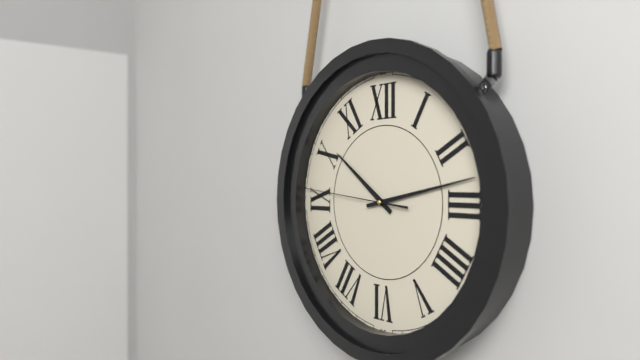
10:13:46
